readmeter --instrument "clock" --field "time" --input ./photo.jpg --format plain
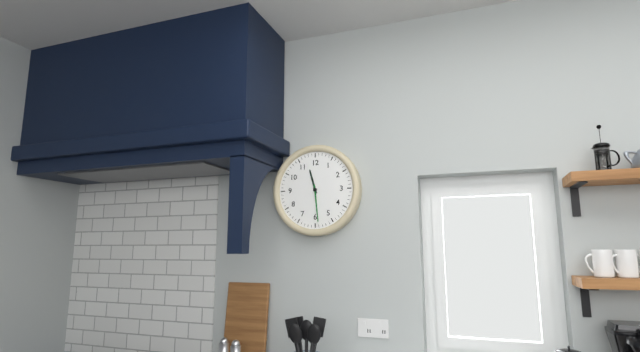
11:29
